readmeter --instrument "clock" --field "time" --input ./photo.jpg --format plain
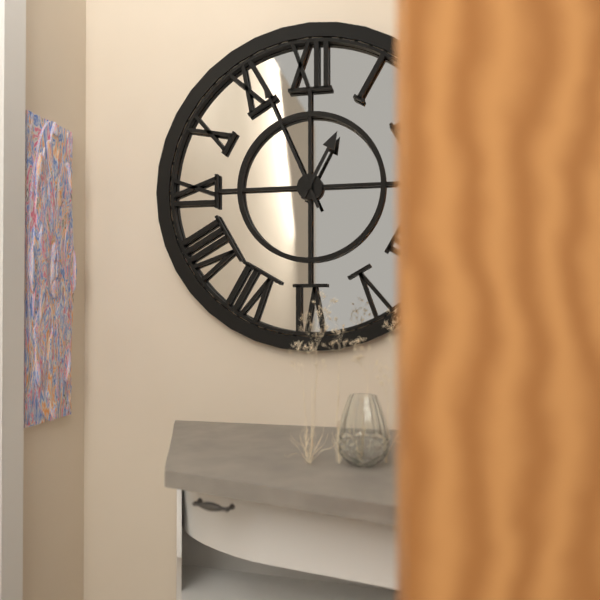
12:56
